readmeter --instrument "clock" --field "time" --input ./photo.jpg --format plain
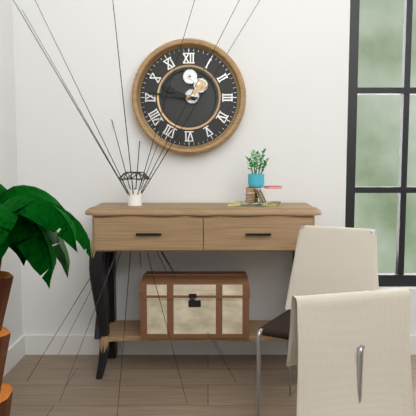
9:46
